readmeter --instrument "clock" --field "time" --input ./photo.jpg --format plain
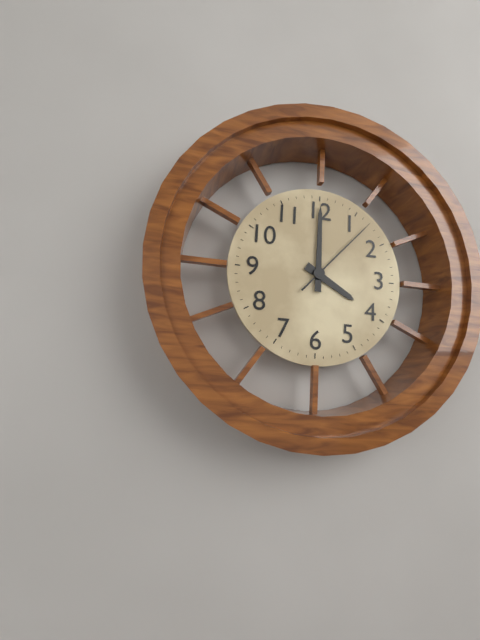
4:00:07
